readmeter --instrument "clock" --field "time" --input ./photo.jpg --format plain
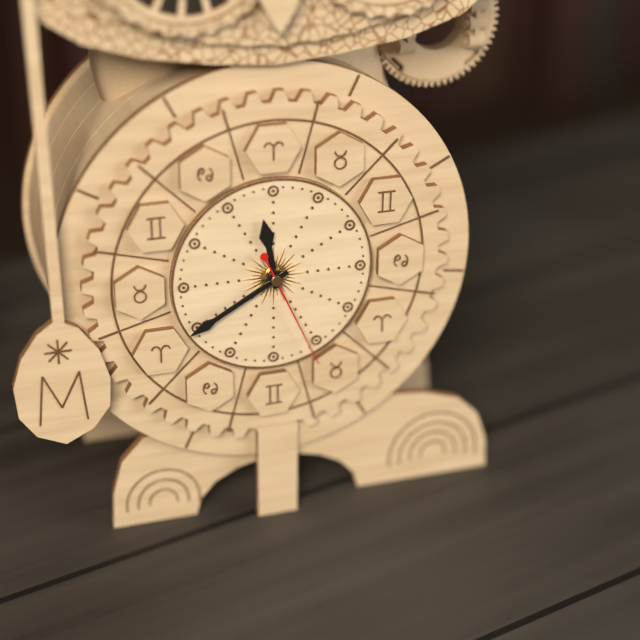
11:40:26
